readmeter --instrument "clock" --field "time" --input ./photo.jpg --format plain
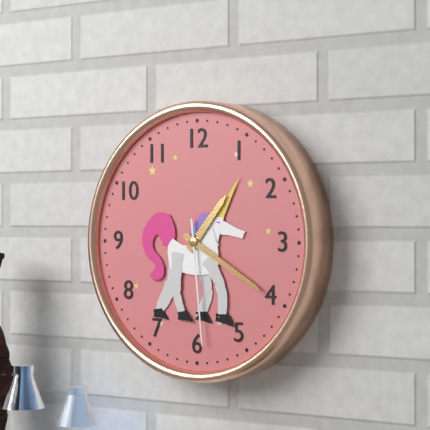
1:20:29
